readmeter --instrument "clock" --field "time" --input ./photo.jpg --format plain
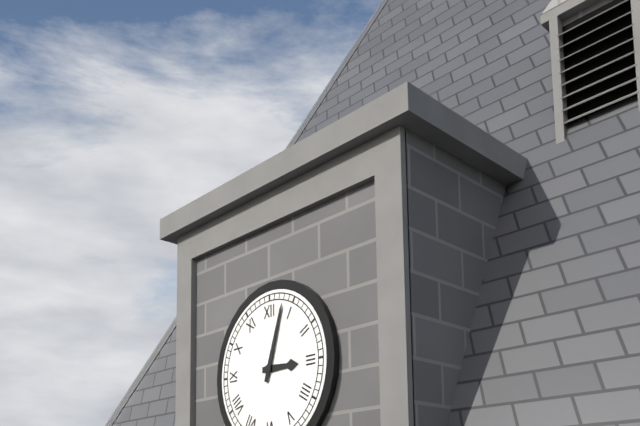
3:03
